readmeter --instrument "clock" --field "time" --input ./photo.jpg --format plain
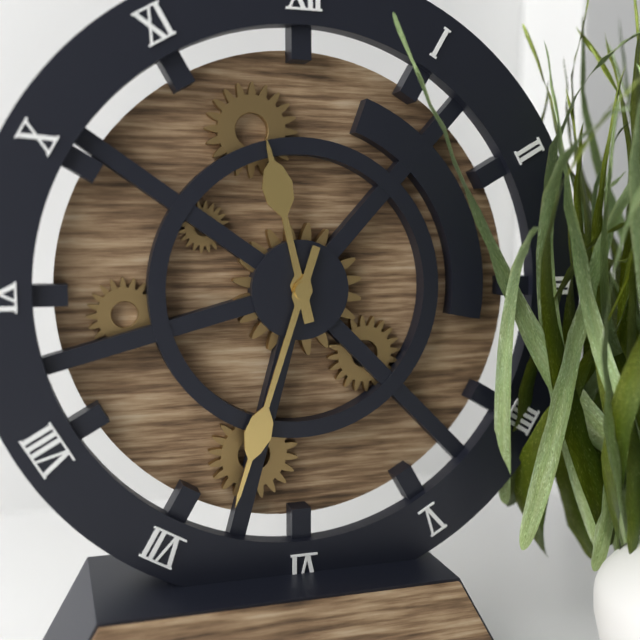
11:33
